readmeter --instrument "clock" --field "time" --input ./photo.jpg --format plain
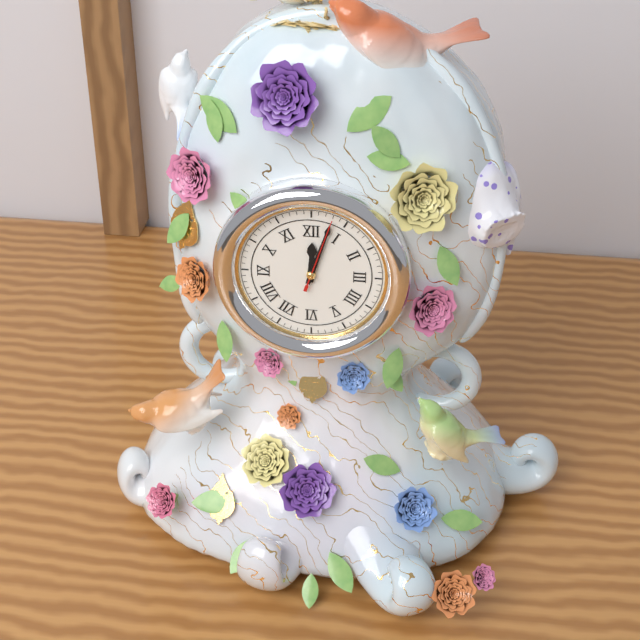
12:03:03
